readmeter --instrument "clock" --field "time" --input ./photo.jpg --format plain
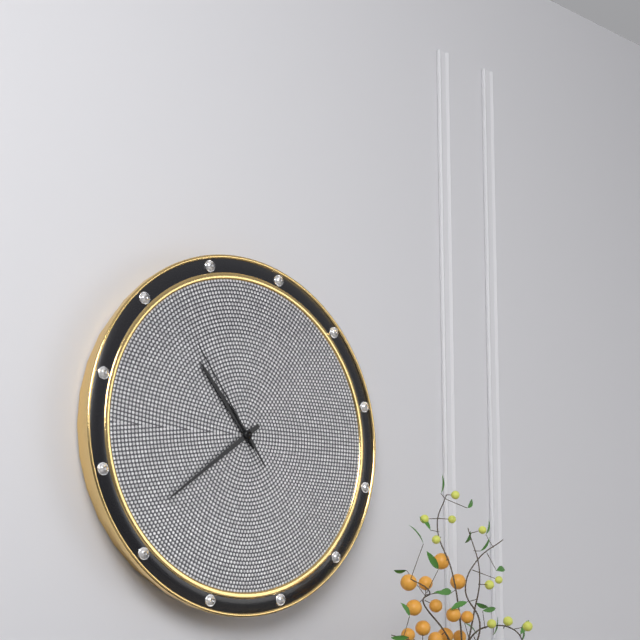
10:39:54
